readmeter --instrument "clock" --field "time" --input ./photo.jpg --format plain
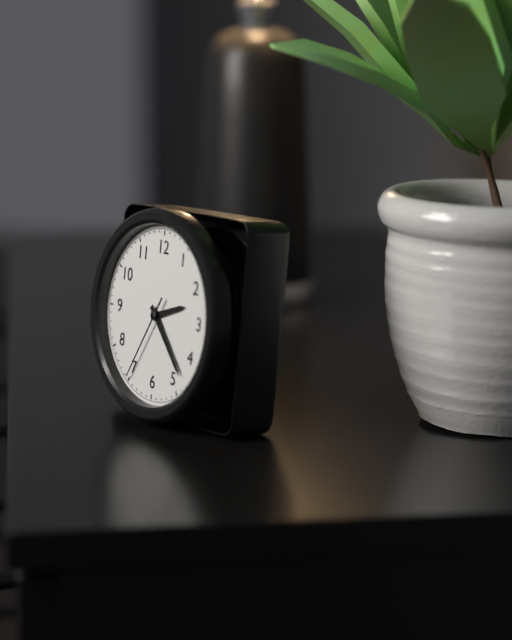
2:23:35
